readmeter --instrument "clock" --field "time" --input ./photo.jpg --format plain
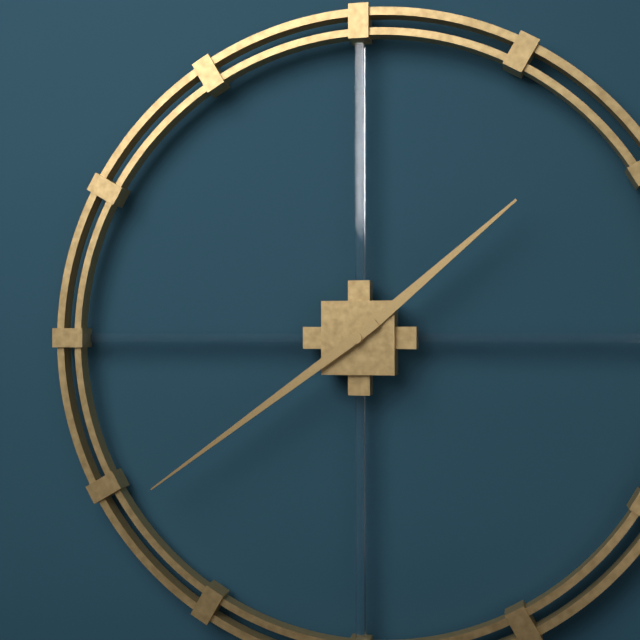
1:39
